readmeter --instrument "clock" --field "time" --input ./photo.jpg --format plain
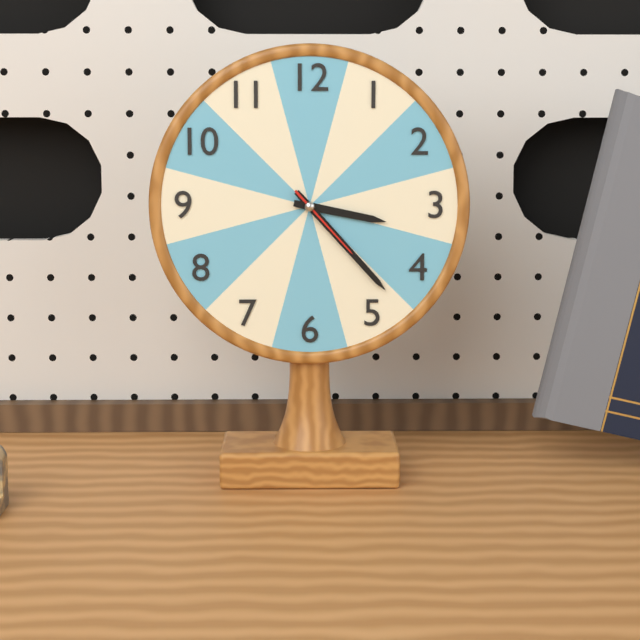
3:23:23
